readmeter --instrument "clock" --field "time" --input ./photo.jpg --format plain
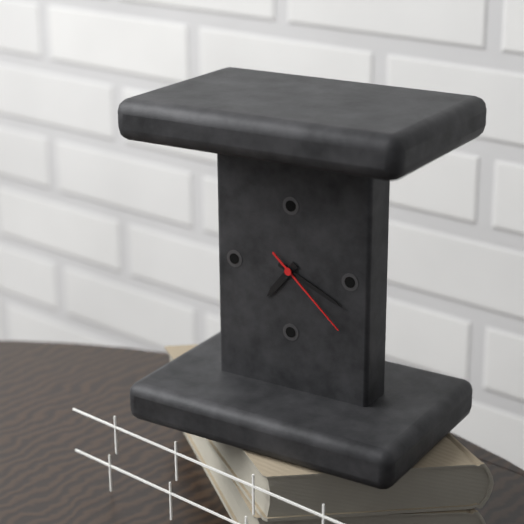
7:19:22
